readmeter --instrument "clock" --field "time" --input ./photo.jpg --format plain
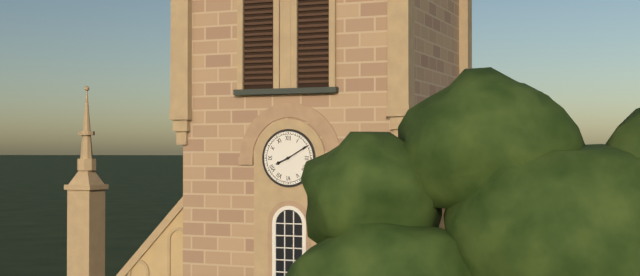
8:10
